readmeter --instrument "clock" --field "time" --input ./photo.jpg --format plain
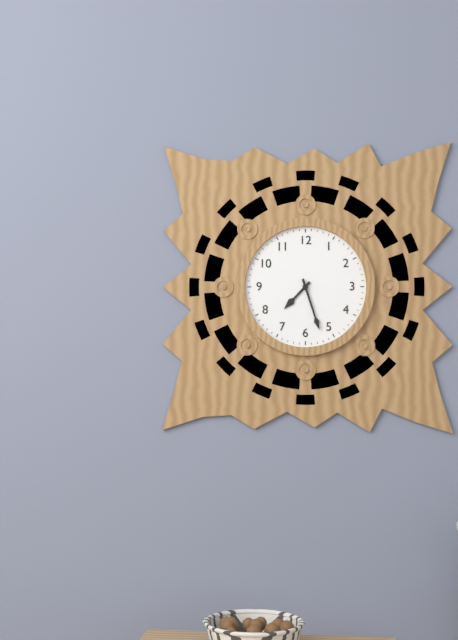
7:27
